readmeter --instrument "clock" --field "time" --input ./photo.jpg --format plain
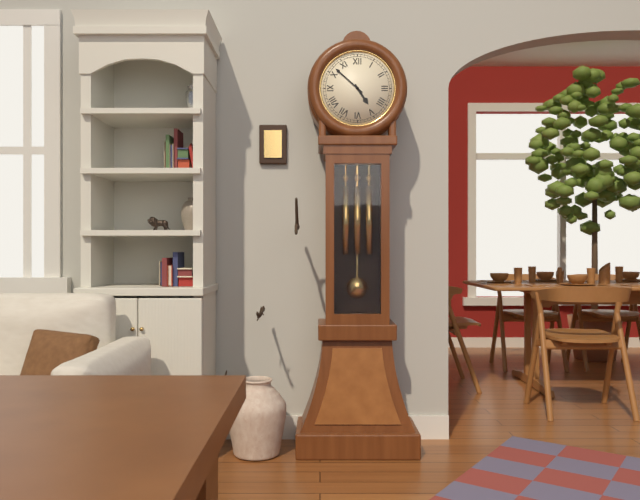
4:52
